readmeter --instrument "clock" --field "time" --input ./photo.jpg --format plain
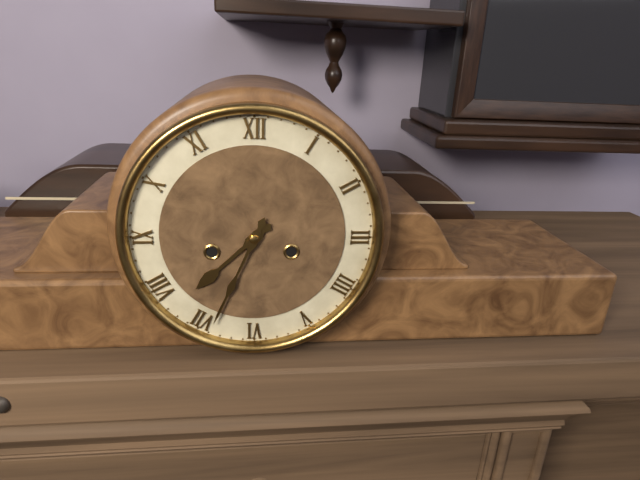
7:34
